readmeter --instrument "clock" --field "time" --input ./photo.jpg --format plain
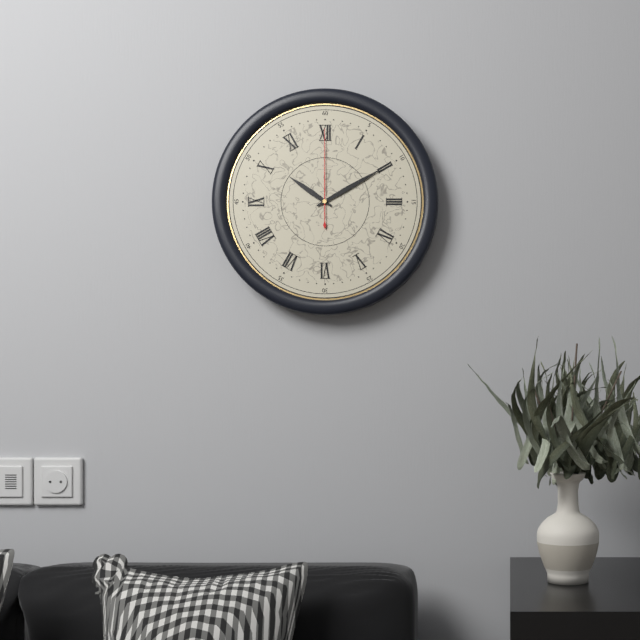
10:10:00
